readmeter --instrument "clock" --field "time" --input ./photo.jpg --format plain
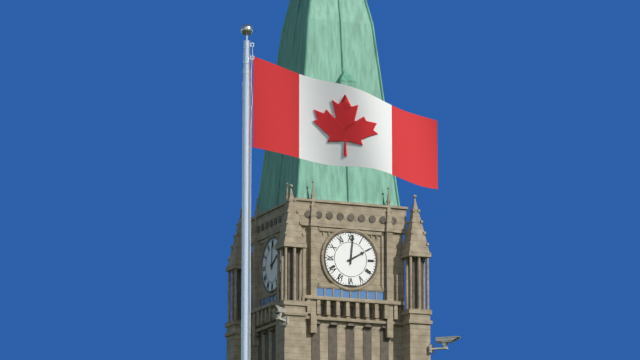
2:01
